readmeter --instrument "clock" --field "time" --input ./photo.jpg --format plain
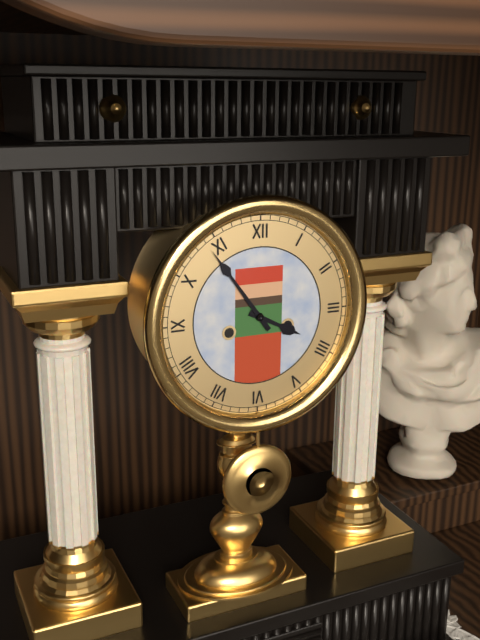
3:54
